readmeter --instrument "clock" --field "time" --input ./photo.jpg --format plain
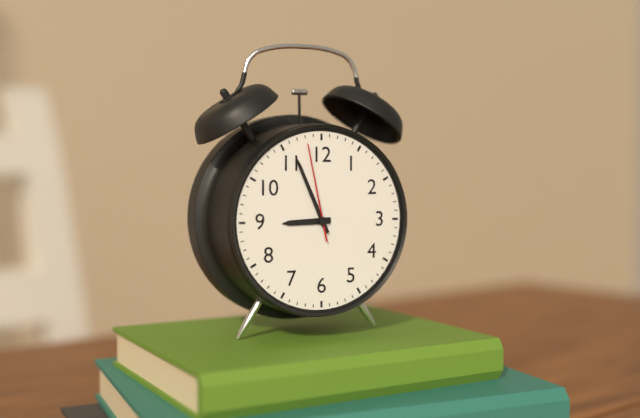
8:56:58
